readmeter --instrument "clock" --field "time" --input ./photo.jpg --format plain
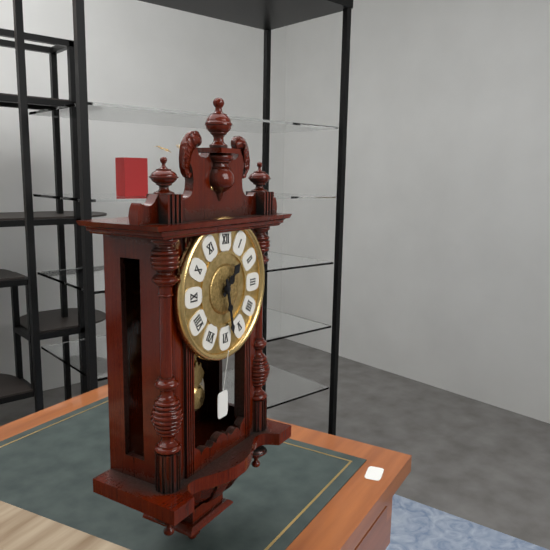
1:28
